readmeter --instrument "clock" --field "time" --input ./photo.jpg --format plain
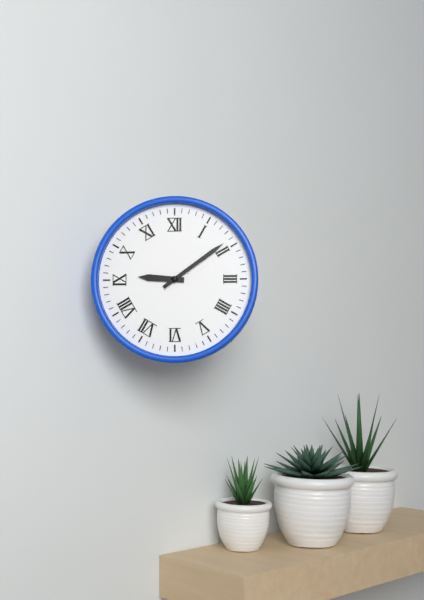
9:09
